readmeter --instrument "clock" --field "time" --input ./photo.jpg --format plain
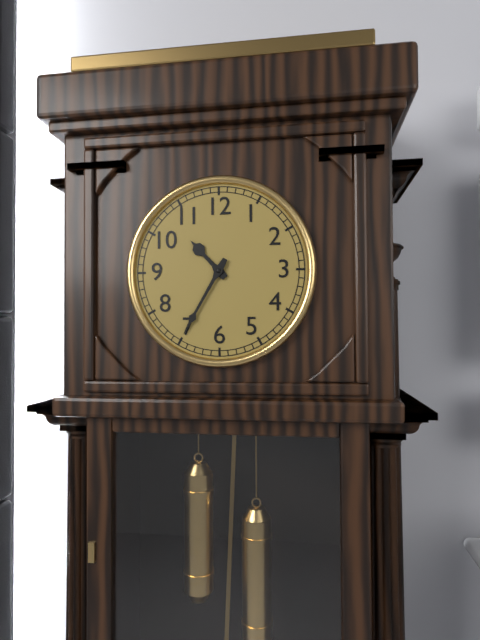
10:35
